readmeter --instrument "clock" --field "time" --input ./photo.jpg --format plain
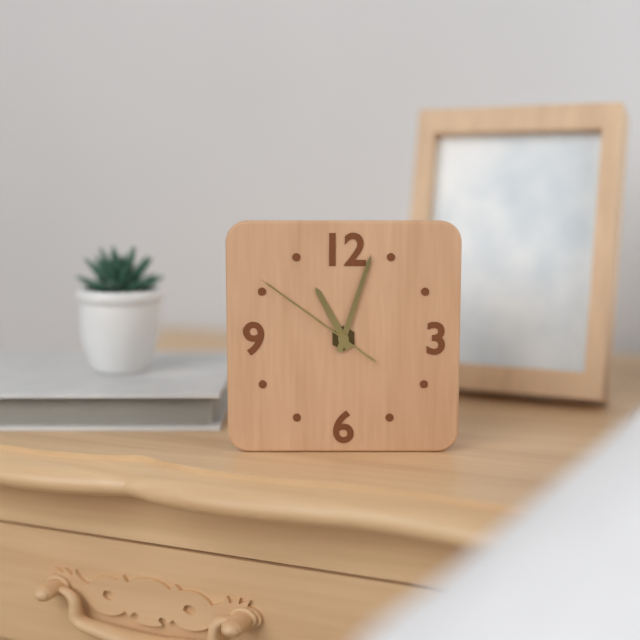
11:03:51
